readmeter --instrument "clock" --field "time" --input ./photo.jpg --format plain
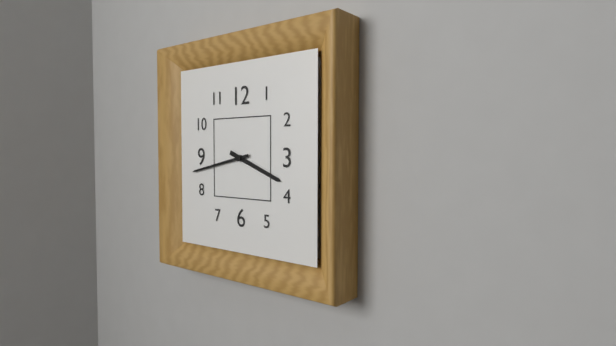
3:43
